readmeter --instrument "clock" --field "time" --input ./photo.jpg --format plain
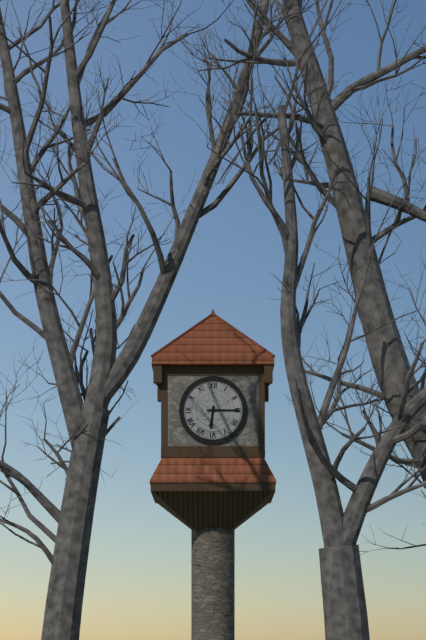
6:15
